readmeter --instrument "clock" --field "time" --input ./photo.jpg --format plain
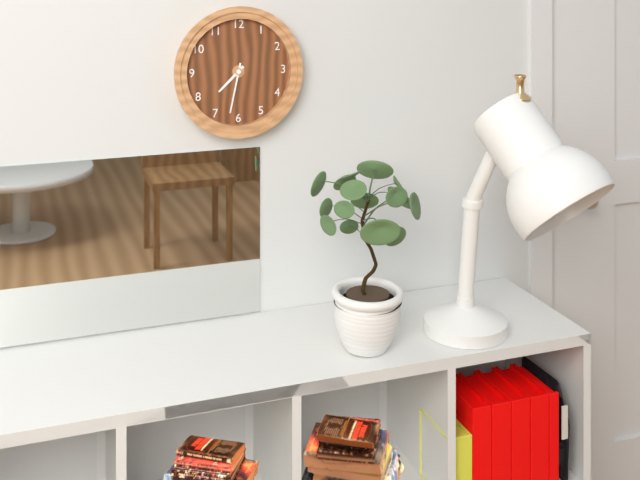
7:32
